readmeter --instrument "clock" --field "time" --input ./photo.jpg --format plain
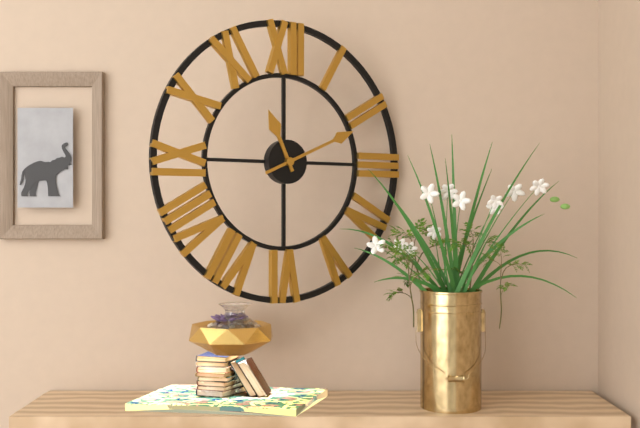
11:11
